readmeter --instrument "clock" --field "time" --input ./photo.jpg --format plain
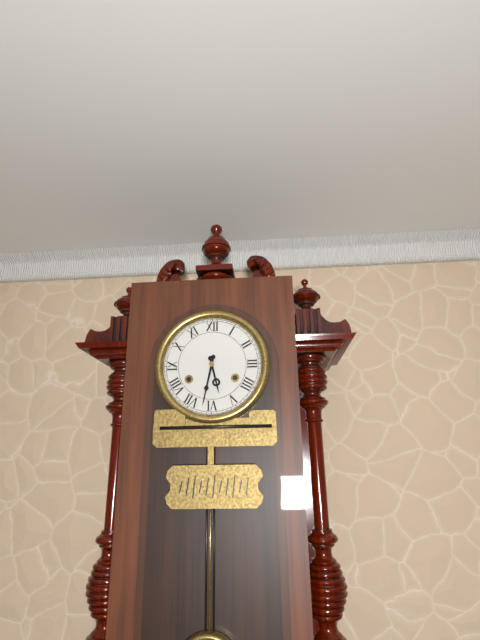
5:32
